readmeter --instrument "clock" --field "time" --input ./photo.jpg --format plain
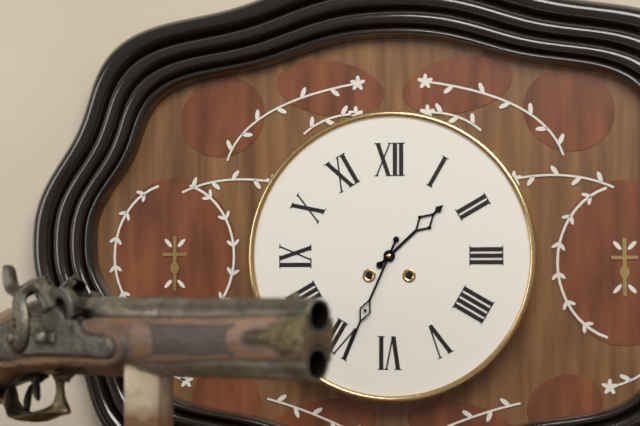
1:34
